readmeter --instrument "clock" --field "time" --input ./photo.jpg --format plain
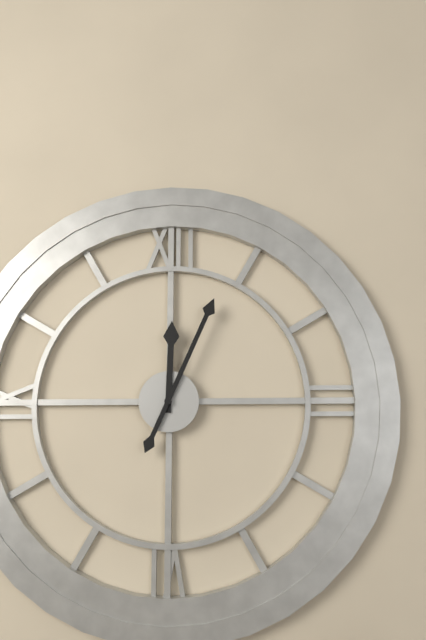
12:04
